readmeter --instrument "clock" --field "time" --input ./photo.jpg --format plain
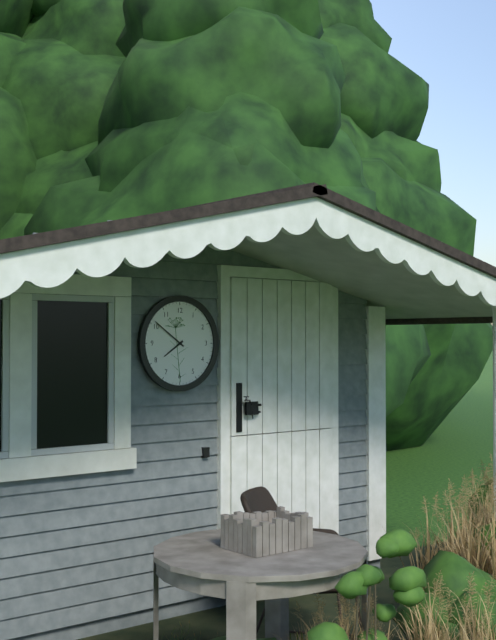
7:51
